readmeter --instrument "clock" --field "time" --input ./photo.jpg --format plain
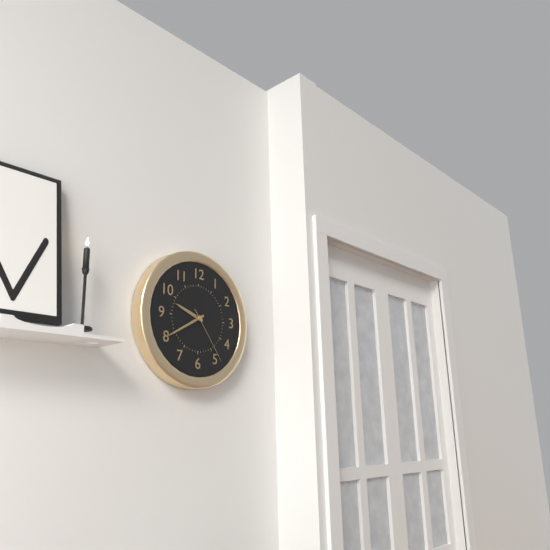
9:40:24
